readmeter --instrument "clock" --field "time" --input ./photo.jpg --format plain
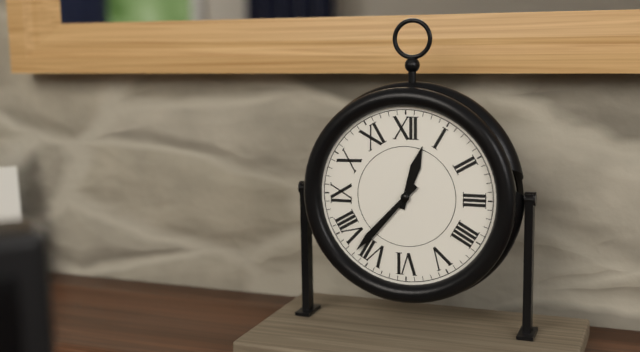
12:37
